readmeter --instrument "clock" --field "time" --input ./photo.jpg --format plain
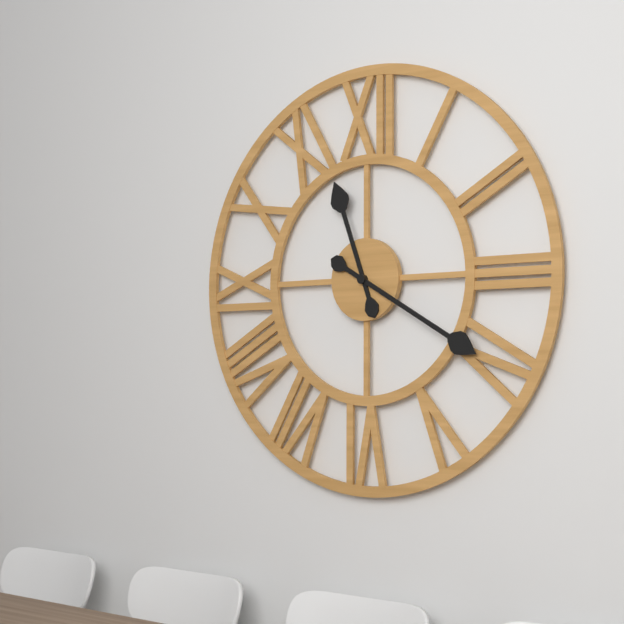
11:20
